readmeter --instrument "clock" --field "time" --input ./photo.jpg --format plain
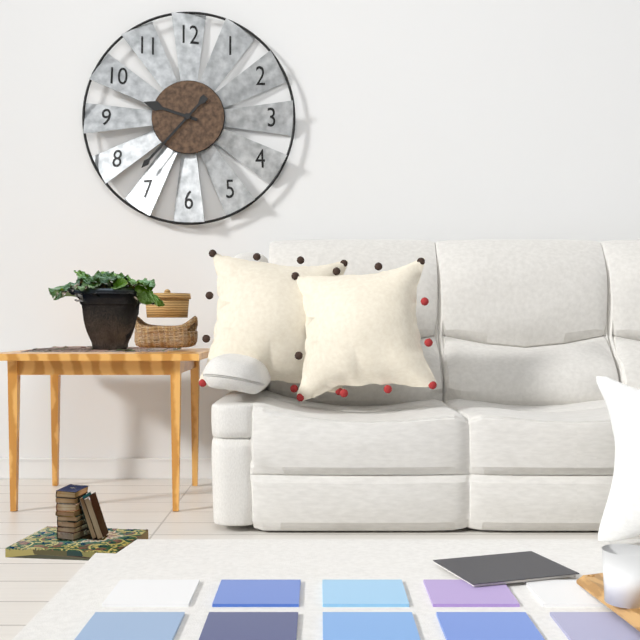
9:37
